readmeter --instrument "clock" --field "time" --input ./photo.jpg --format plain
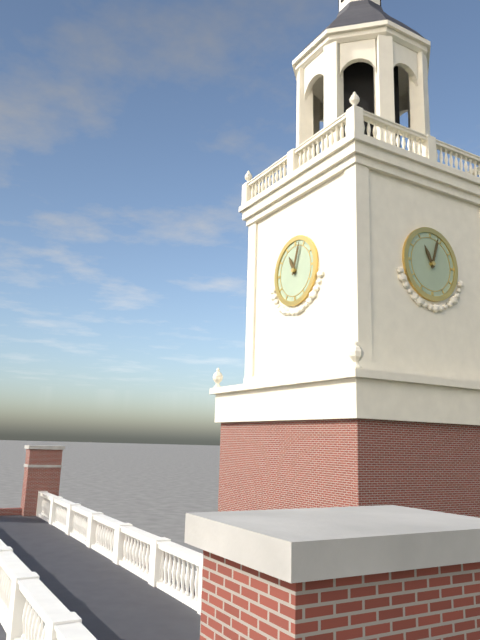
11:03
